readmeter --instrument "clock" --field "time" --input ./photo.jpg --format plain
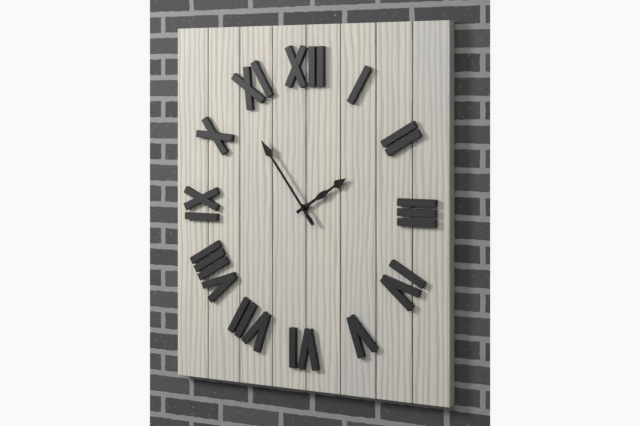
1:54
